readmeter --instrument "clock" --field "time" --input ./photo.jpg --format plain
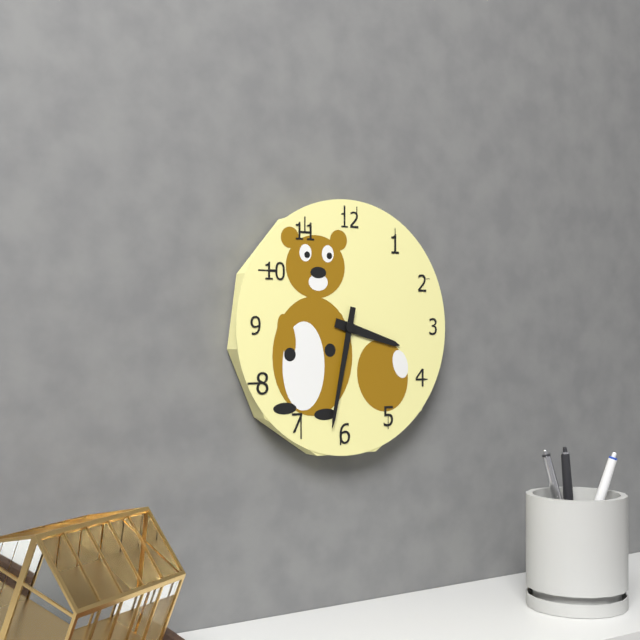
3:32
